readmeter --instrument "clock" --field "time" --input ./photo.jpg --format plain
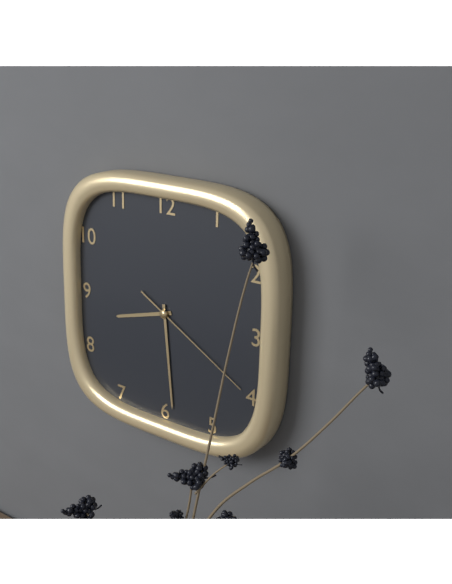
8:29:20
